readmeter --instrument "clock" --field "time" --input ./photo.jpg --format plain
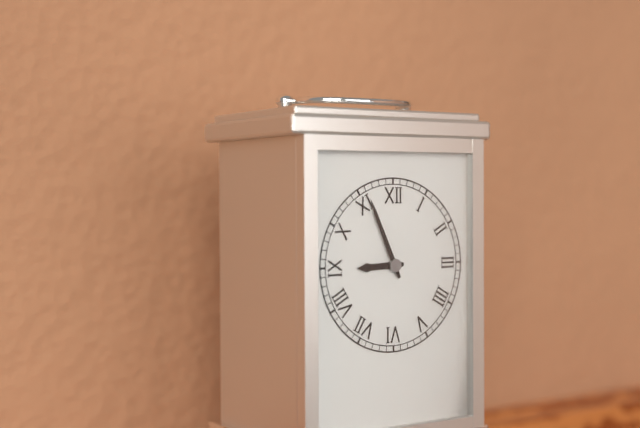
8:56
